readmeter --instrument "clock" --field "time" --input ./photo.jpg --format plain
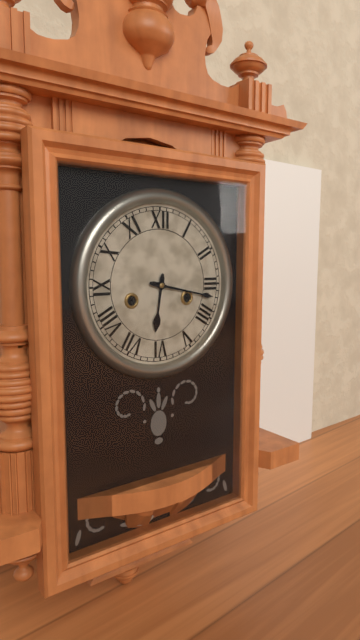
6:17
